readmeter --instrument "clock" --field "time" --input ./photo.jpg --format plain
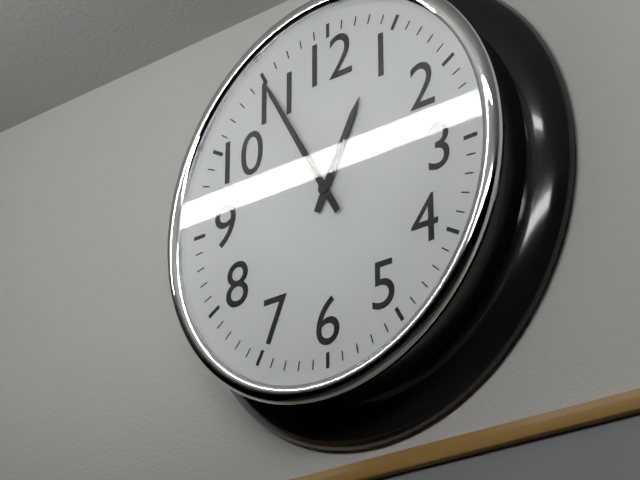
12:55
